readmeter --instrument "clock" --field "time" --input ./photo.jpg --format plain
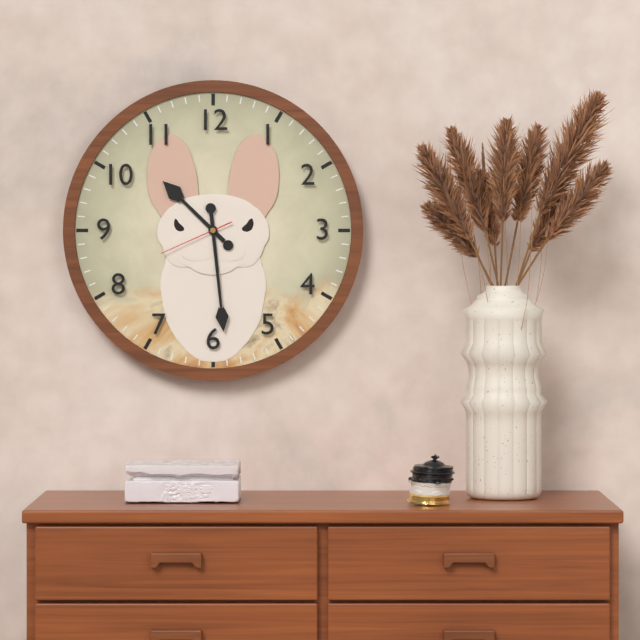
10:29:41
